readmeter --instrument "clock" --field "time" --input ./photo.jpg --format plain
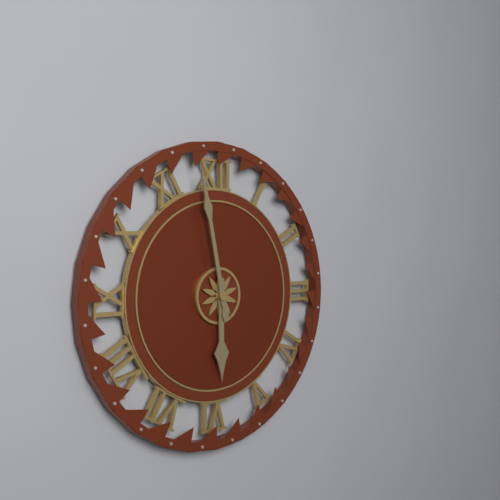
5:58
